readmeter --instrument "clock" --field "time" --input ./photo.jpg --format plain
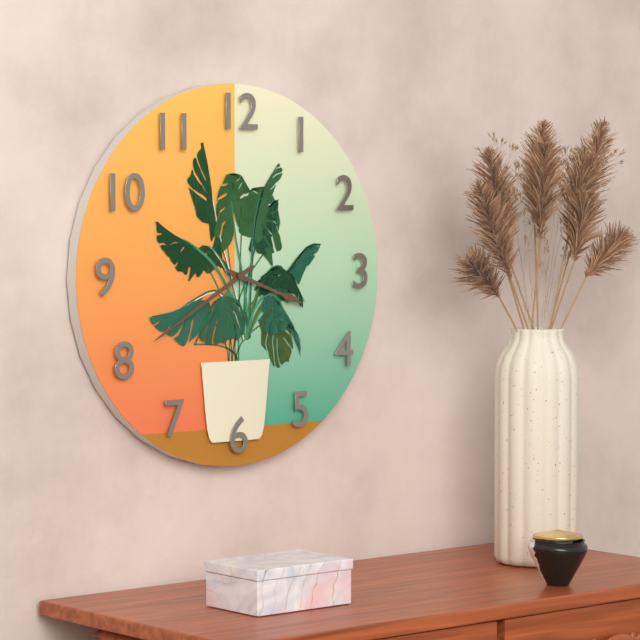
3:40
